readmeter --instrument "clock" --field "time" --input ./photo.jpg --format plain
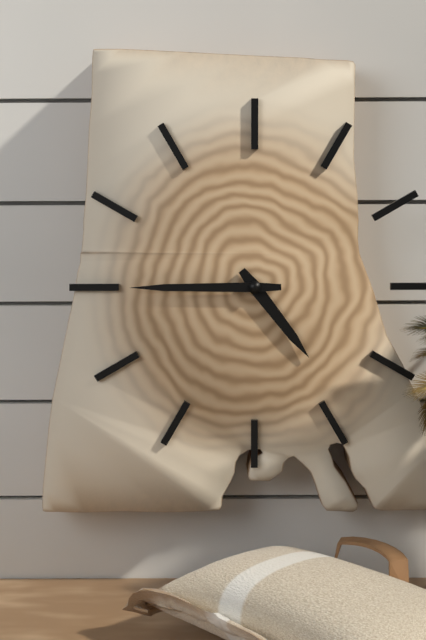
4:45
